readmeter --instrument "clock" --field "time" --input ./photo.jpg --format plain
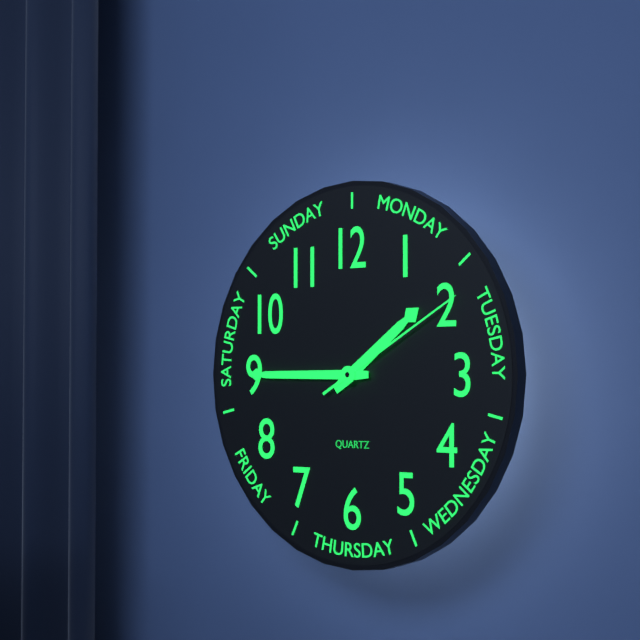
1:45:10
